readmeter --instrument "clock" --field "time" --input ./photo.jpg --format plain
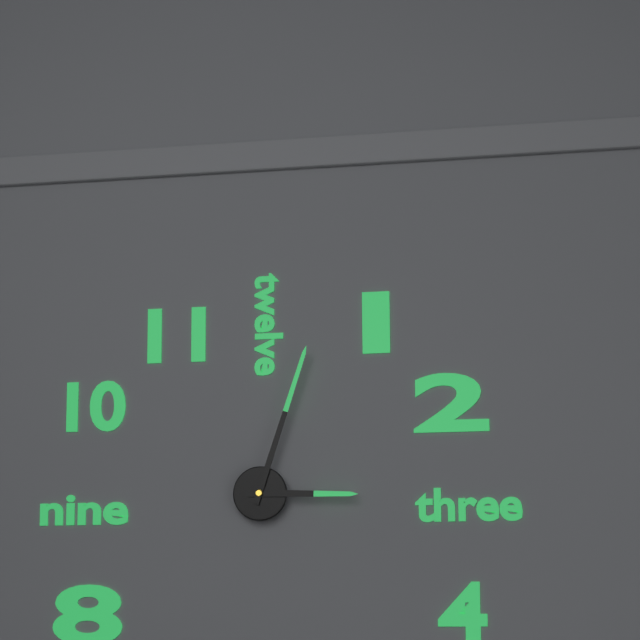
3:03
